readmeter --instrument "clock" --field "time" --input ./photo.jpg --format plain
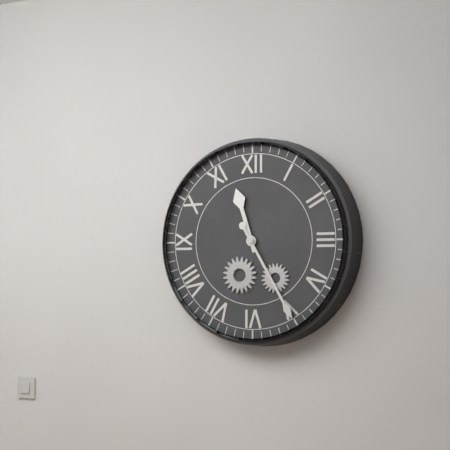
11:25
